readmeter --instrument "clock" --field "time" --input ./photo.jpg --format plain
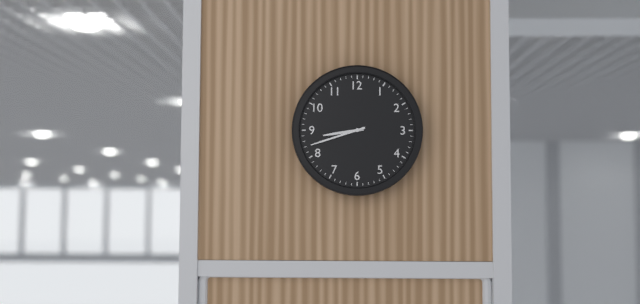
8:42
